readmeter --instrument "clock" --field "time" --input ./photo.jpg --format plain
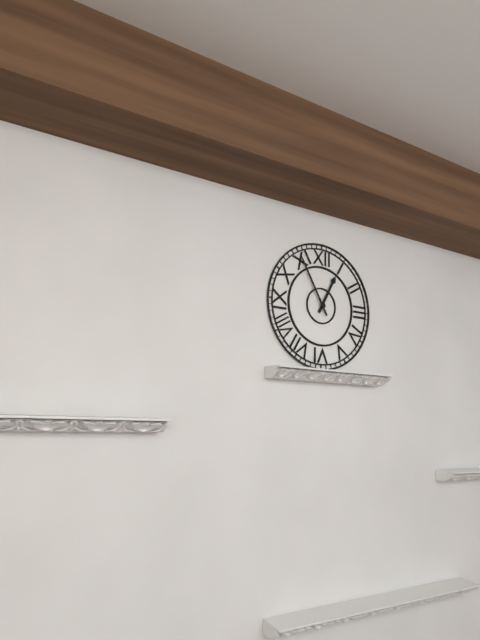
12:55
